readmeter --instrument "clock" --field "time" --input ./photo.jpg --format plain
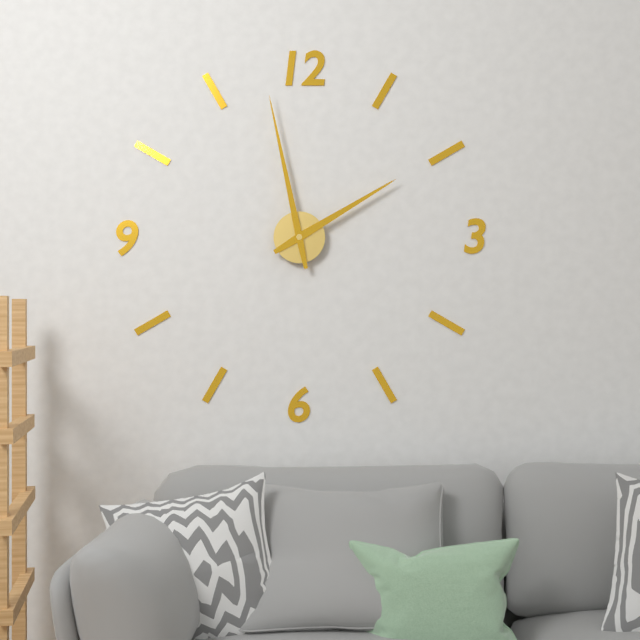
1:58
